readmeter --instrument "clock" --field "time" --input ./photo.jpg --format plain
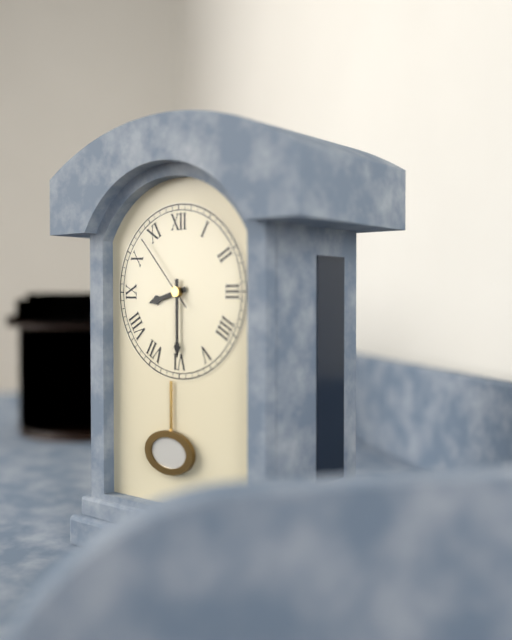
8:30:53
